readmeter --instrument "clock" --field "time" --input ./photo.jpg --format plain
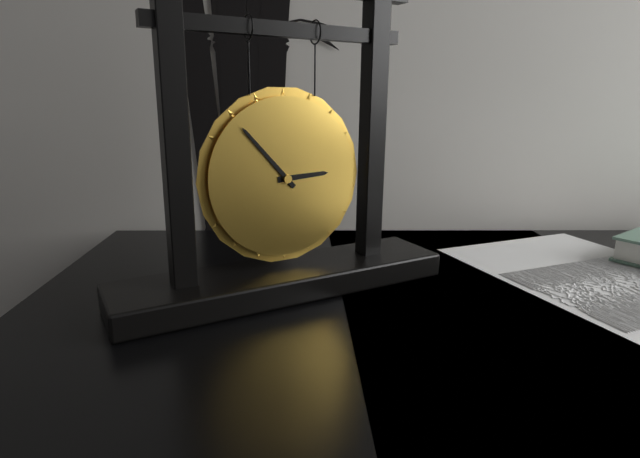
2:53
